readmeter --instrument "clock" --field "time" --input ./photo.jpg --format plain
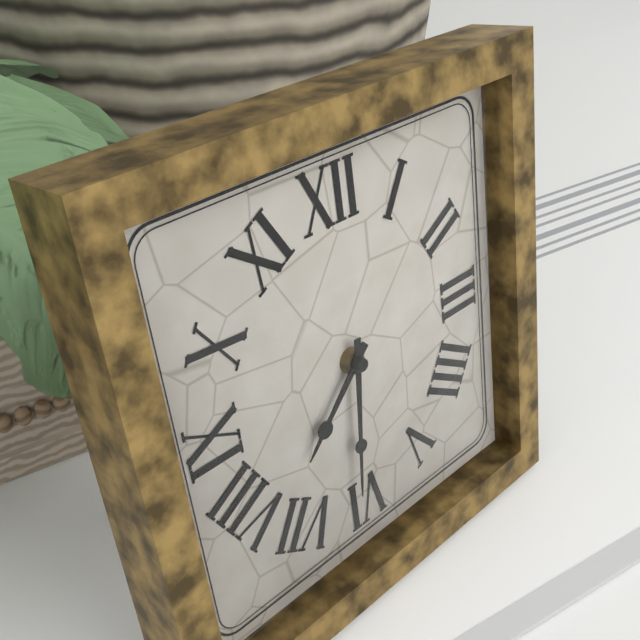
7:31
